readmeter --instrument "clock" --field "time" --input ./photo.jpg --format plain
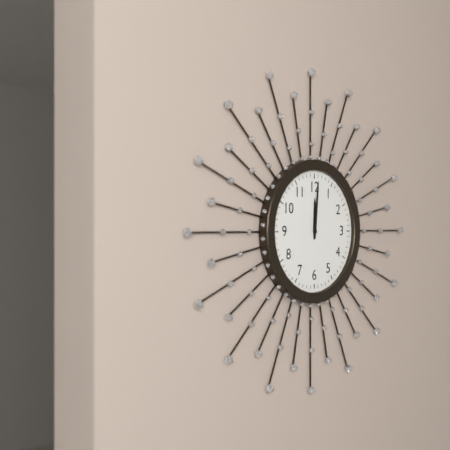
12:01
